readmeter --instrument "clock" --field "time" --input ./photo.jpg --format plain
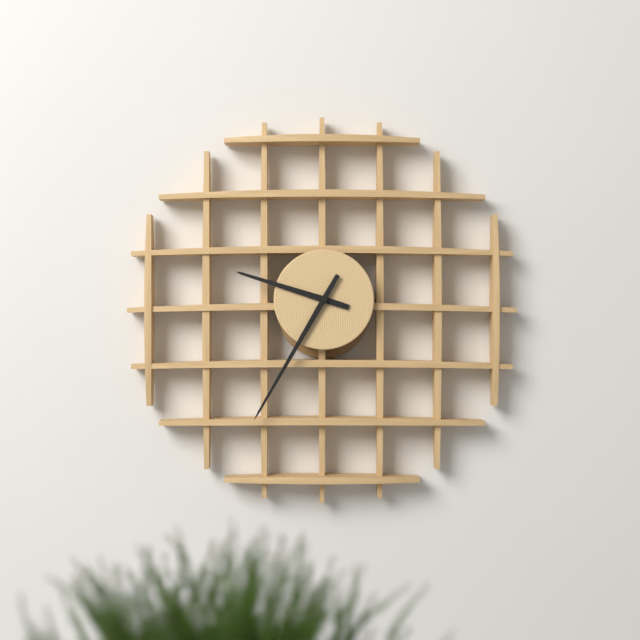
9:35
